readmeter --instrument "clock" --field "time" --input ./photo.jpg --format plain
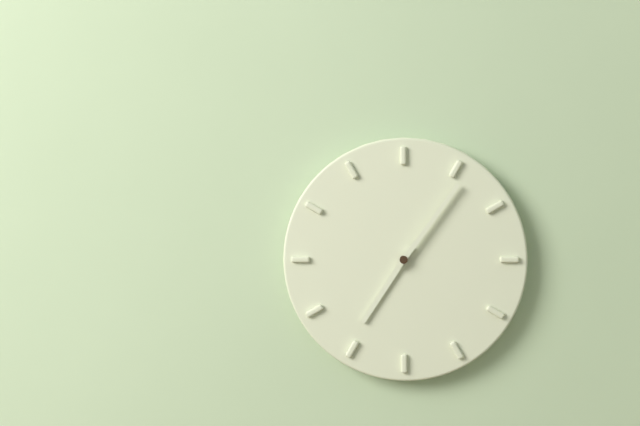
7:06
